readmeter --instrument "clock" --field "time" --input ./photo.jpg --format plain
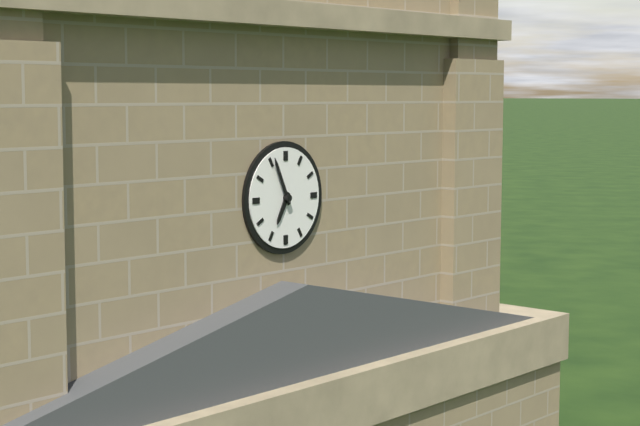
6:56
